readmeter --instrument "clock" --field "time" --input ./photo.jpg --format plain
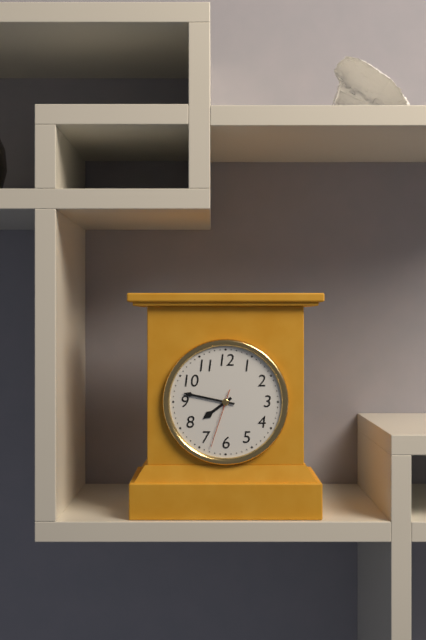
7:47:33
